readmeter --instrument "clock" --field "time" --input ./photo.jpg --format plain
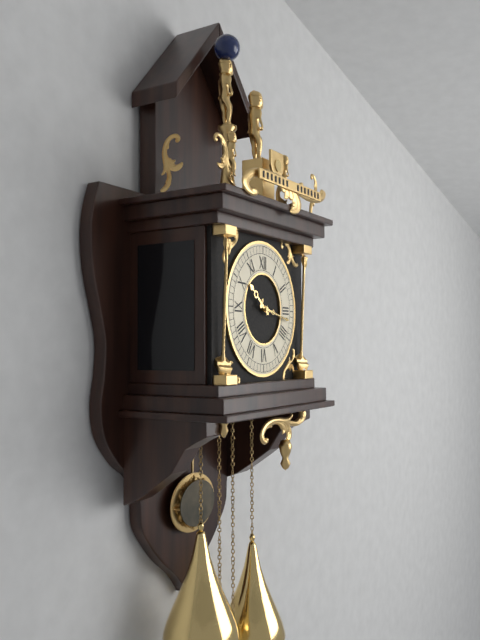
10:17
